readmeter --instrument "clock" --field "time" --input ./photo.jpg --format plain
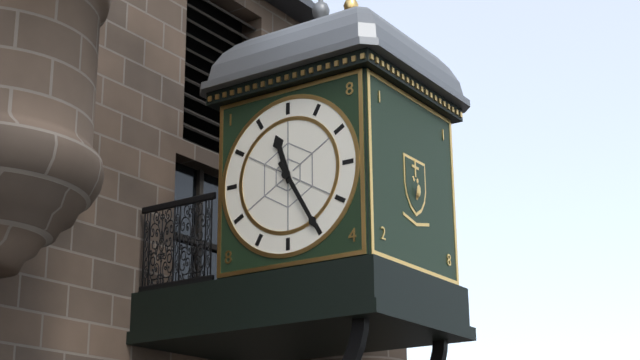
11:25
